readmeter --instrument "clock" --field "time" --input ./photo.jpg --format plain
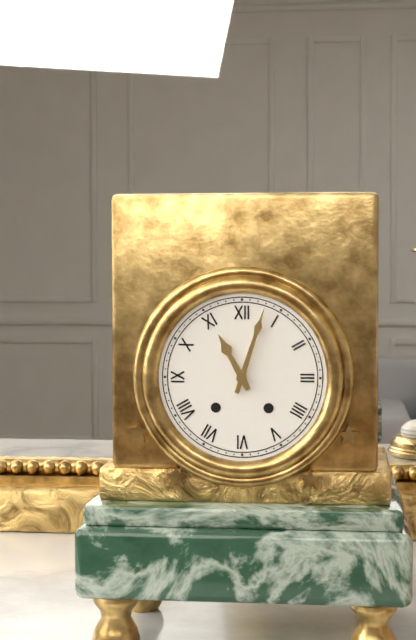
11:03
